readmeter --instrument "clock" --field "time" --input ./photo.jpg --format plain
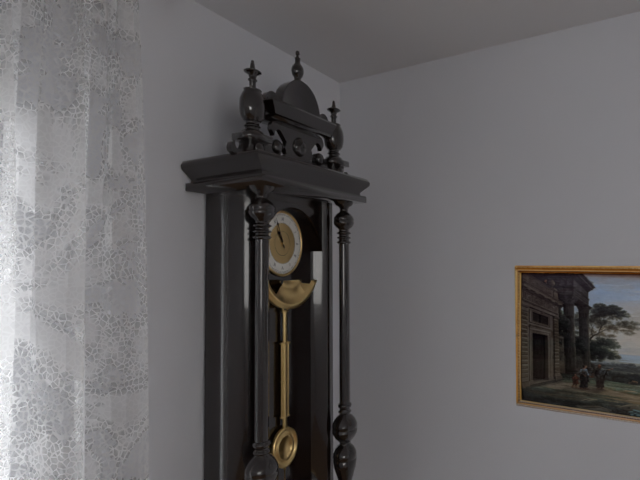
10:56
